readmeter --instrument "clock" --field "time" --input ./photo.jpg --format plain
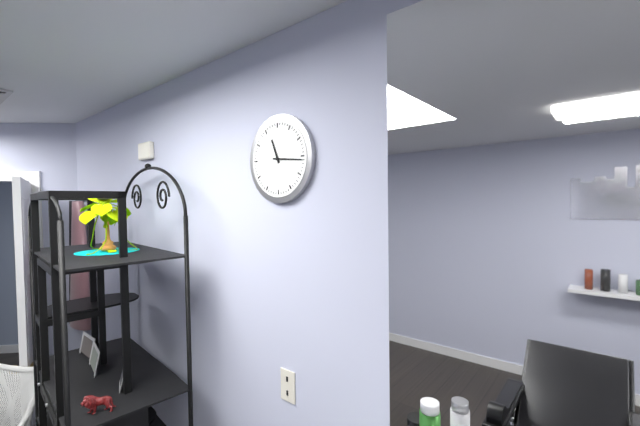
11:16
